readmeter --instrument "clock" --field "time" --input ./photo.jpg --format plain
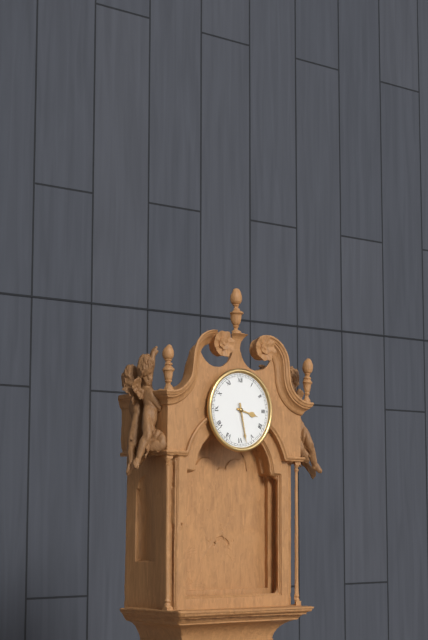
3:28
